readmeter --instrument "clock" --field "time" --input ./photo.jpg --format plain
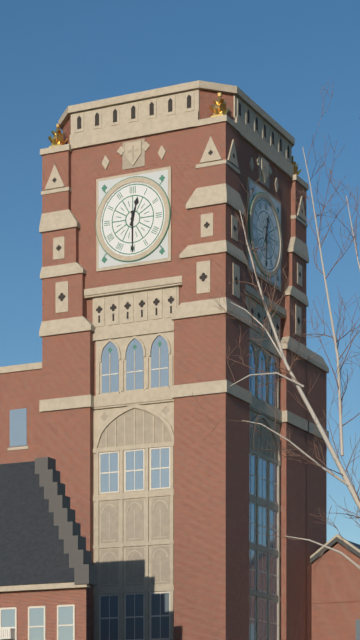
12:30
